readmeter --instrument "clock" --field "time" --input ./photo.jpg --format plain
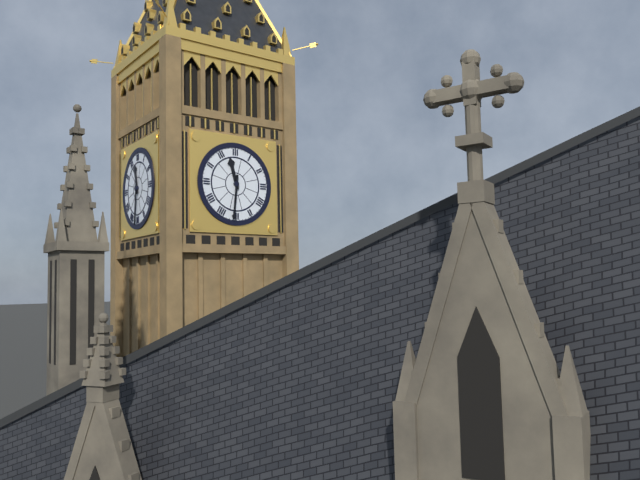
11:31
